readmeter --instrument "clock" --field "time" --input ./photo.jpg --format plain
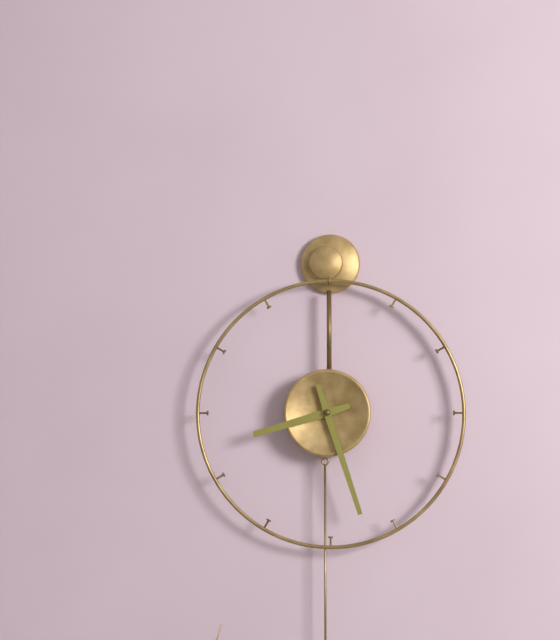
8:27
